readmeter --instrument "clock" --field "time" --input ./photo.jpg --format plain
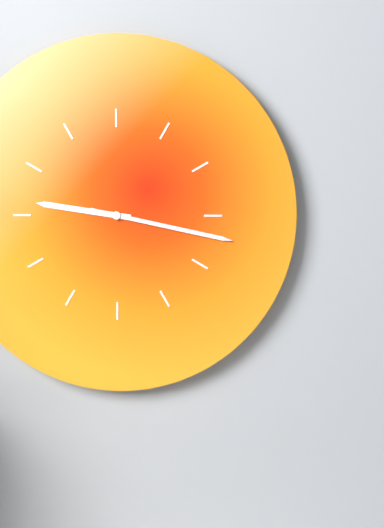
9:17
